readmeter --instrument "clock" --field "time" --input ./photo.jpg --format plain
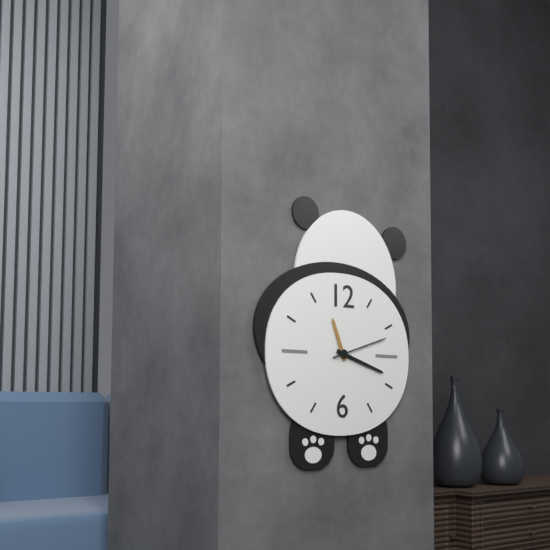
11:18:12
